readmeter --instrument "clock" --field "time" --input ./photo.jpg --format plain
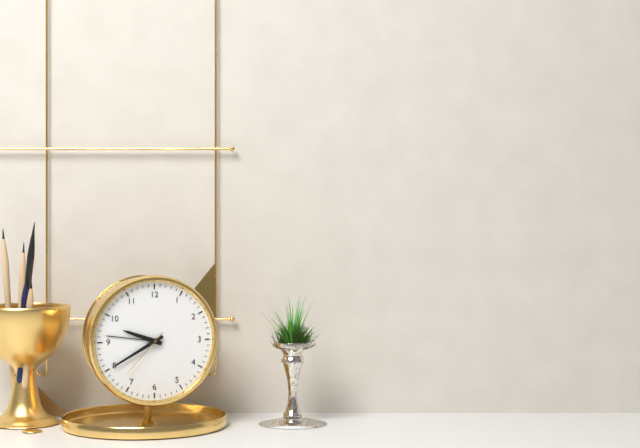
9:40:37
